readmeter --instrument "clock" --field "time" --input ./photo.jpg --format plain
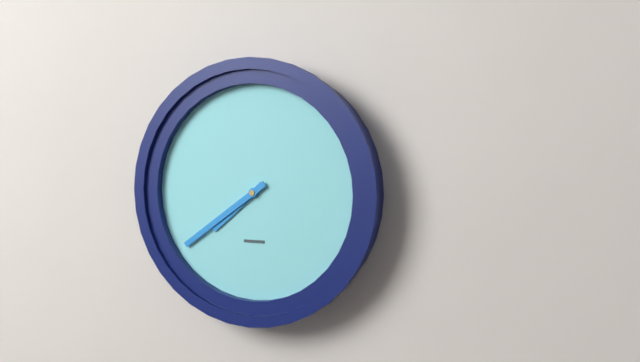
7:39
